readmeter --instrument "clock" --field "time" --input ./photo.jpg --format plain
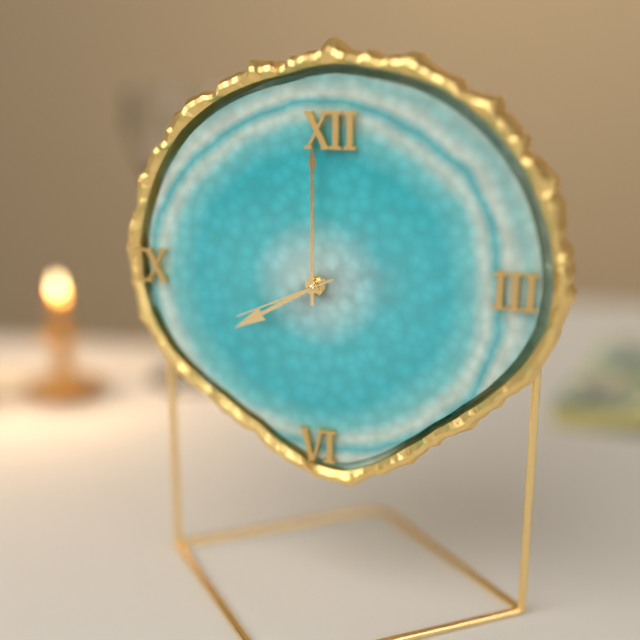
8:00:41
